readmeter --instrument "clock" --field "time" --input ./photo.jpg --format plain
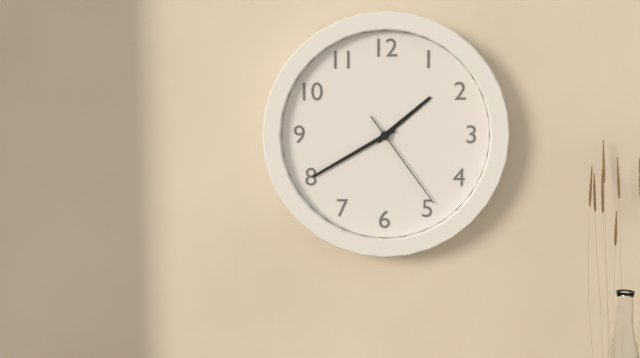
1:40:24
